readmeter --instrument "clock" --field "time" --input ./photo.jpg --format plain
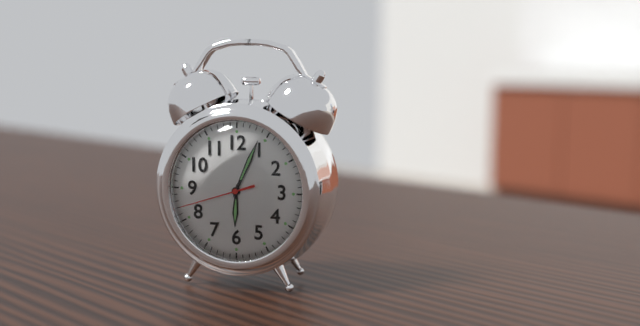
6:04:42
